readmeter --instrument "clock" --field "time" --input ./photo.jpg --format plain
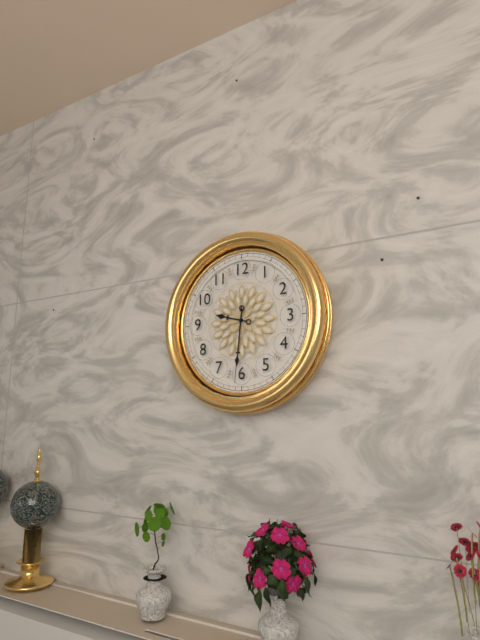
9:31:31
